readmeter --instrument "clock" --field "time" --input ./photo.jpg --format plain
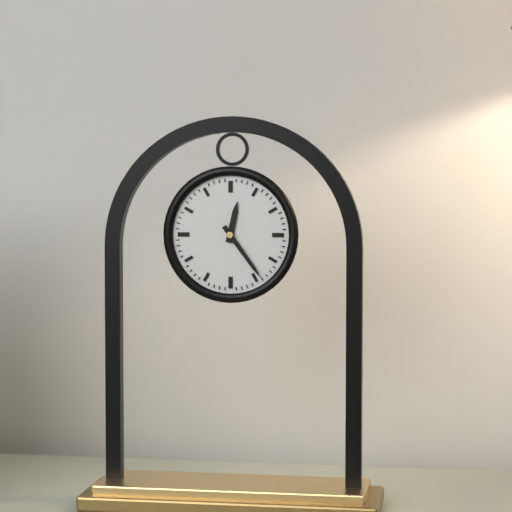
12:24
